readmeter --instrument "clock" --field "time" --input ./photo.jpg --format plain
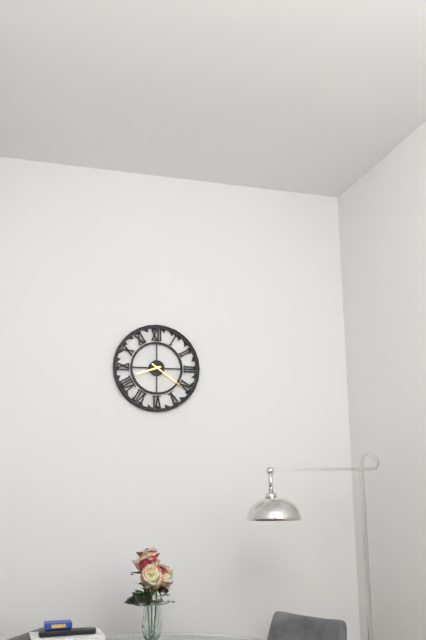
8:21
